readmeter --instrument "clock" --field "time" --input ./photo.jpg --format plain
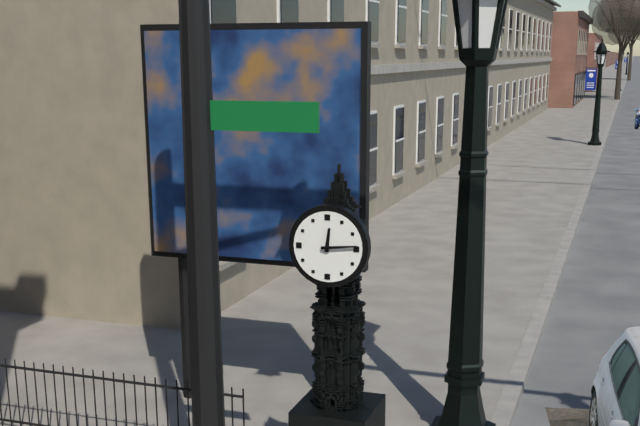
12:14
